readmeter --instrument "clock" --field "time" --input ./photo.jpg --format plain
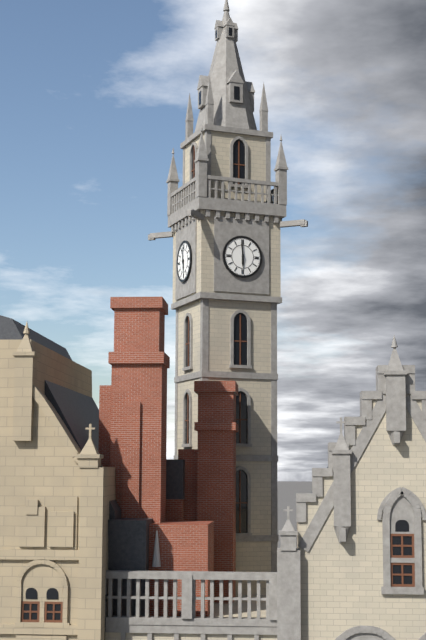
5:59
